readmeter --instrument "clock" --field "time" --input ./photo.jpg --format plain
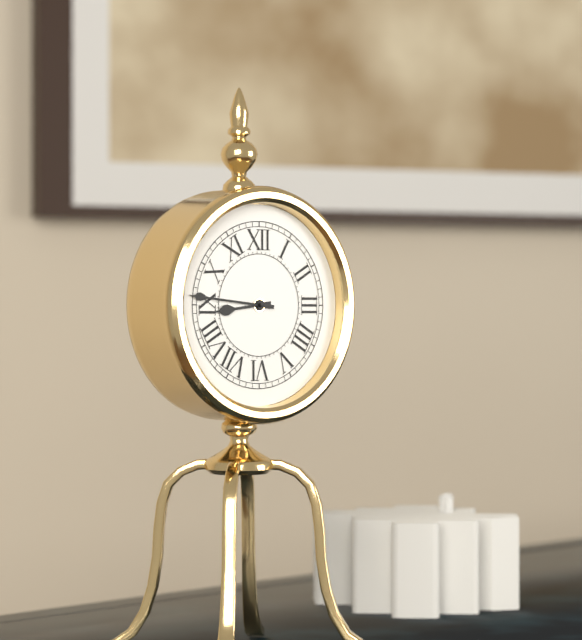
8:46
